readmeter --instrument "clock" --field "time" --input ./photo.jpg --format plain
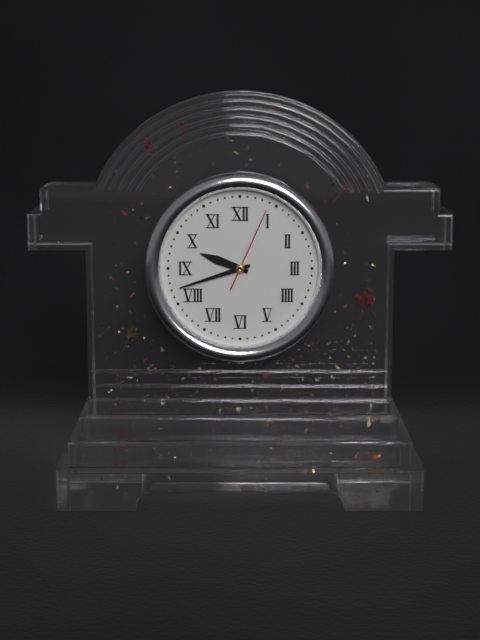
9:42:04
